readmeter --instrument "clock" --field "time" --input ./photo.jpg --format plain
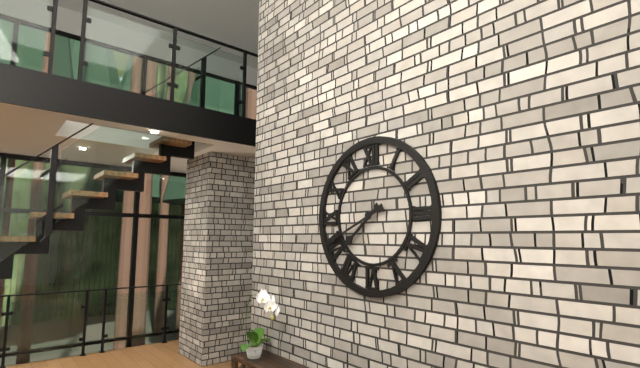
7:41
